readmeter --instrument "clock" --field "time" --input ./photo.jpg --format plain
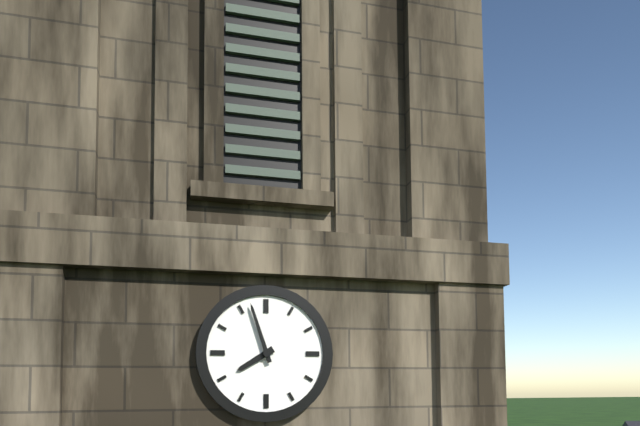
7:57
